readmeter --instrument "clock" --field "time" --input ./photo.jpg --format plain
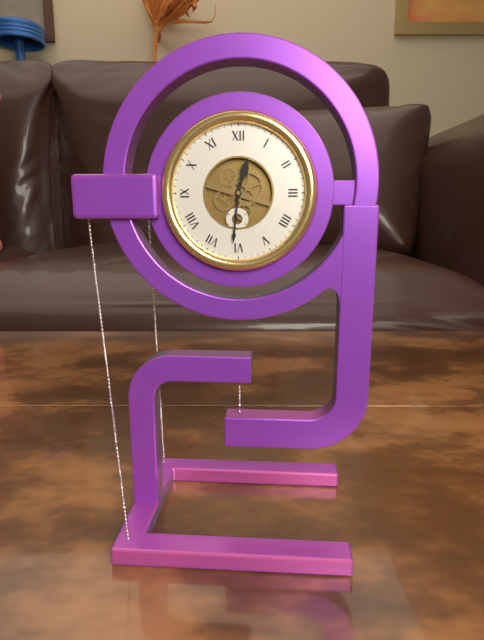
12:31
